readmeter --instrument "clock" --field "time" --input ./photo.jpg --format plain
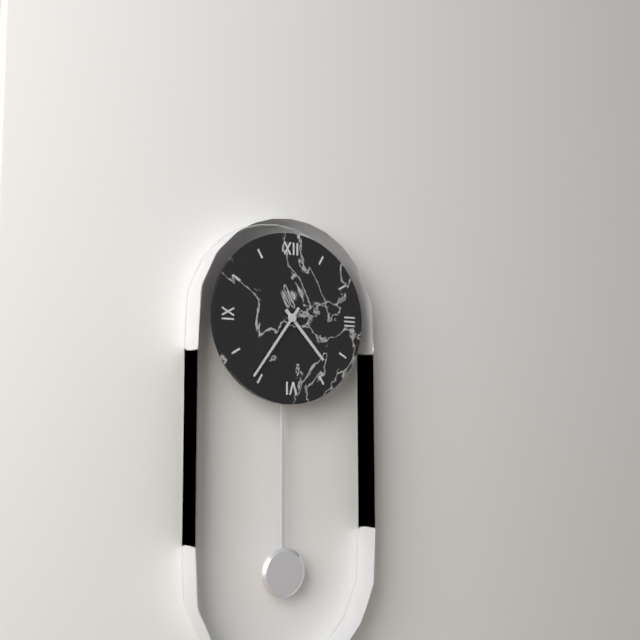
4:36
